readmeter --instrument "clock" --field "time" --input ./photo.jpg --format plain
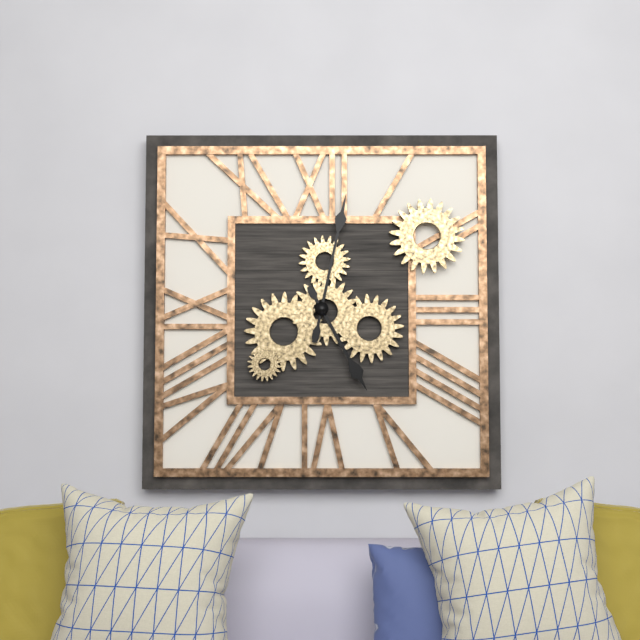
5:02
